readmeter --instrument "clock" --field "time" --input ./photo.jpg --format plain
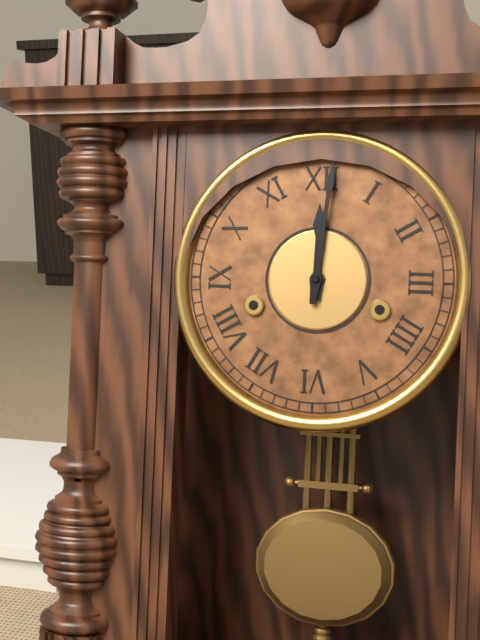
12:01
